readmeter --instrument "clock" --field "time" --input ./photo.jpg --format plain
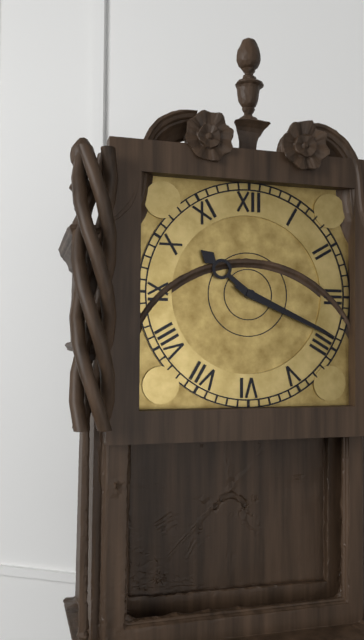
10:19
